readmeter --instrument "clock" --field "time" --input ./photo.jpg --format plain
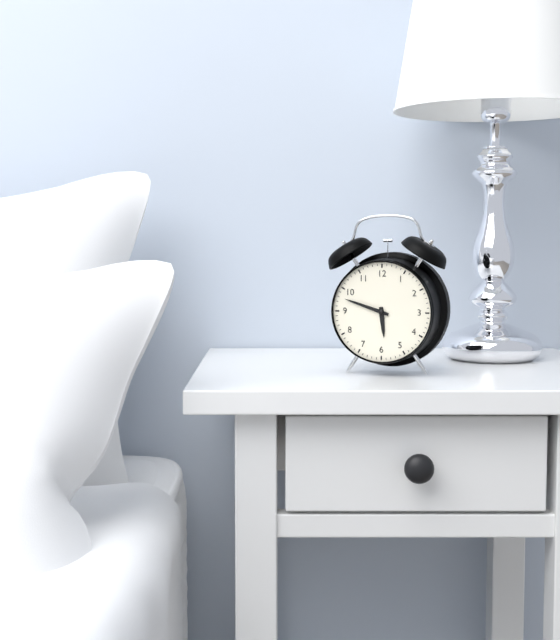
5:48
